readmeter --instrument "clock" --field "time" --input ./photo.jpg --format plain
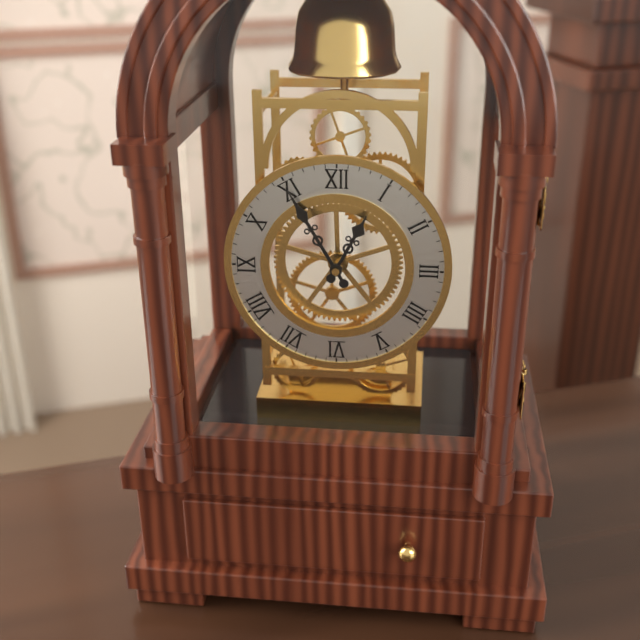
12:55
